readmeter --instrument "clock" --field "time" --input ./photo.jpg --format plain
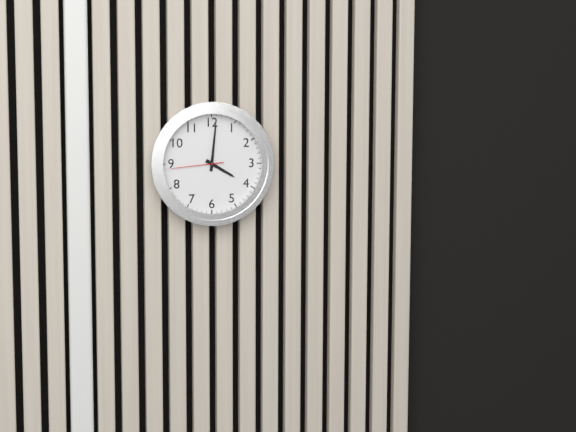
4:01:44
